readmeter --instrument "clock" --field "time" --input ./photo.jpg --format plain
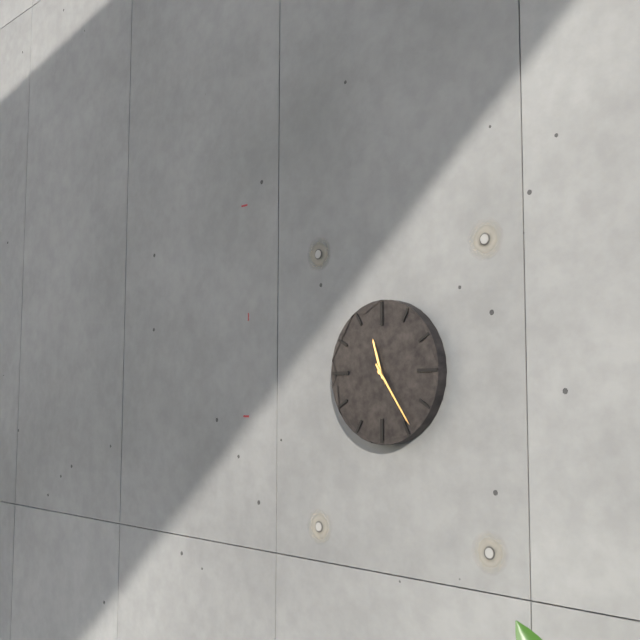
11:24
